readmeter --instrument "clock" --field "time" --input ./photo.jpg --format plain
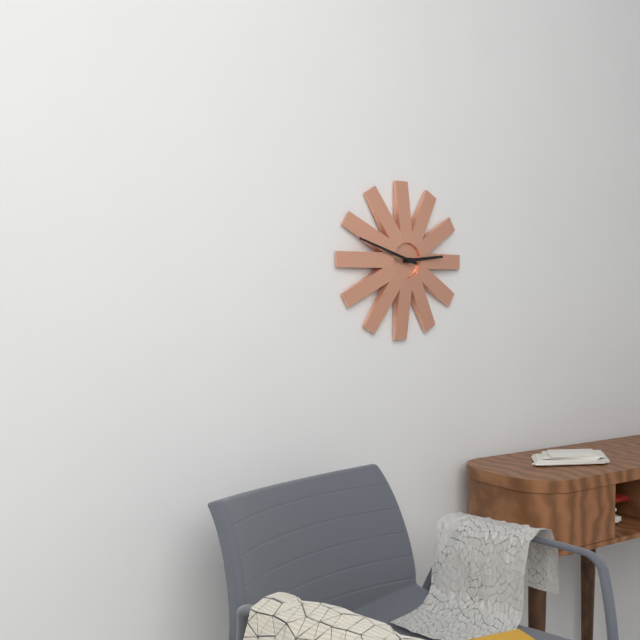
2:48
